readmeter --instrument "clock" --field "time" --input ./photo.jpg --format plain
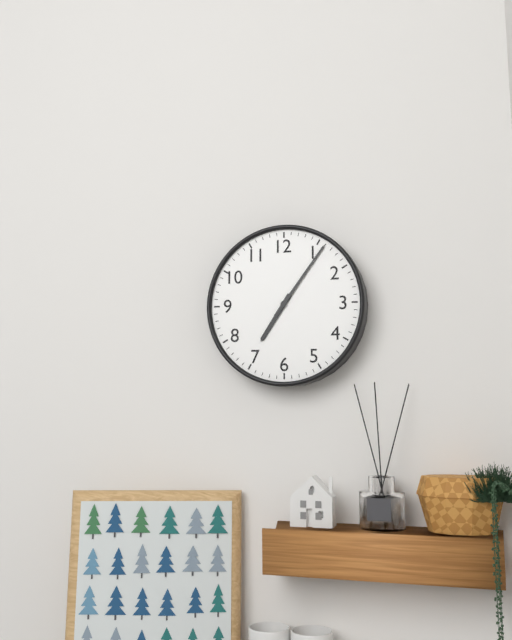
7:06
